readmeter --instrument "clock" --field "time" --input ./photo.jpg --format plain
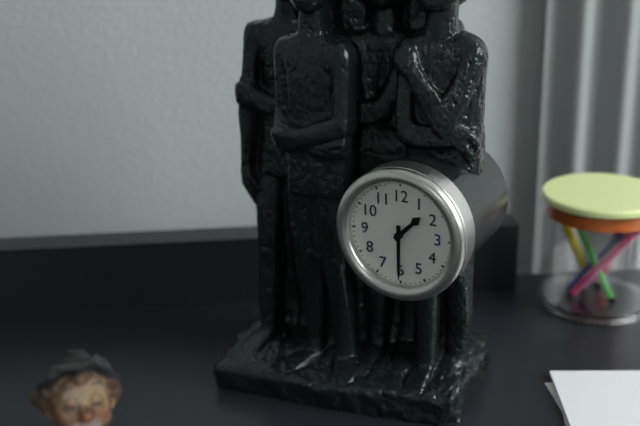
1:30
